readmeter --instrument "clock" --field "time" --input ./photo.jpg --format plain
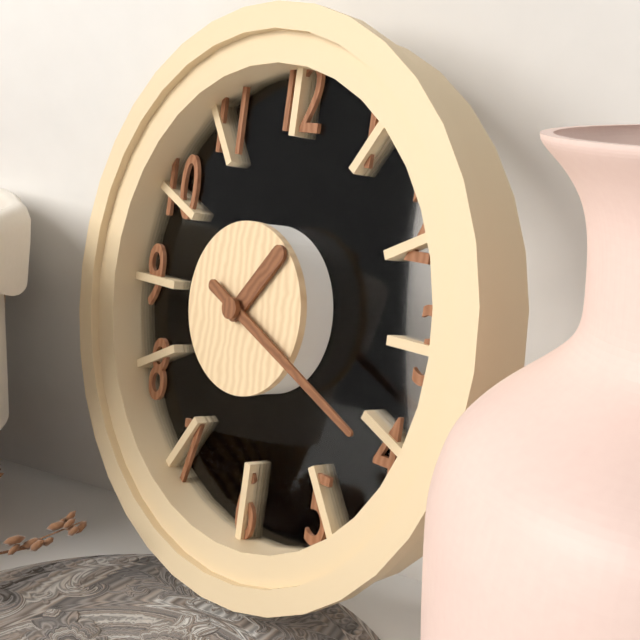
1:19
